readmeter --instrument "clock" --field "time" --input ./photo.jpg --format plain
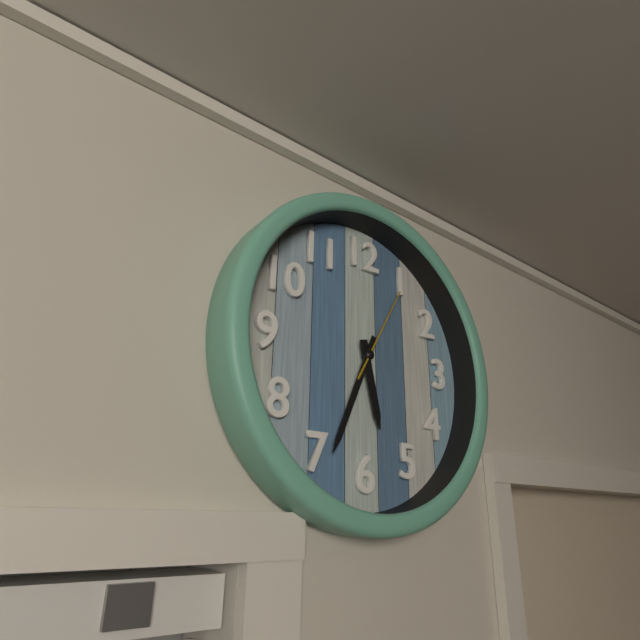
5:34:05
